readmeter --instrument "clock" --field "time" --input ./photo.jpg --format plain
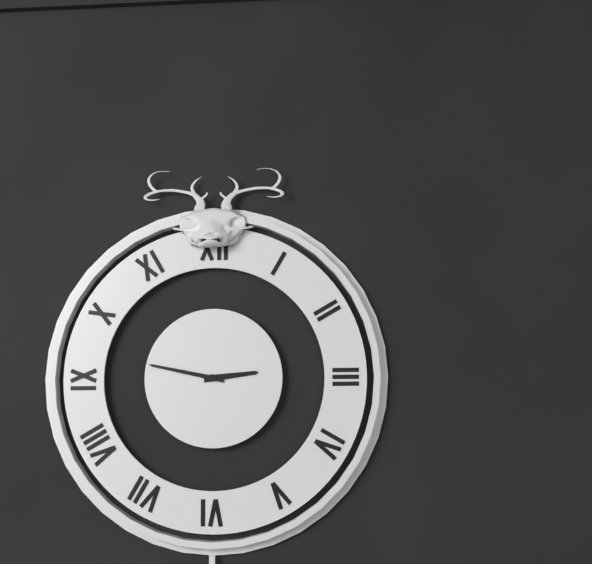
2:47
